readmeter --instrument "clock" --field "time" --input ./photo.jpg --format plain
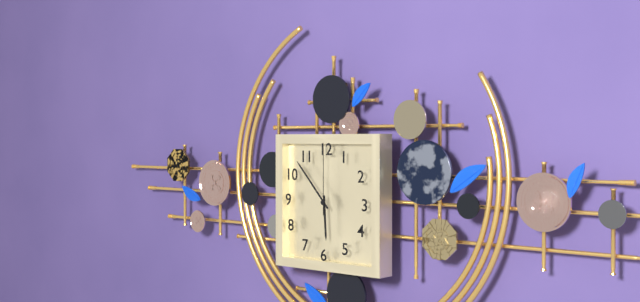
5:53:00
